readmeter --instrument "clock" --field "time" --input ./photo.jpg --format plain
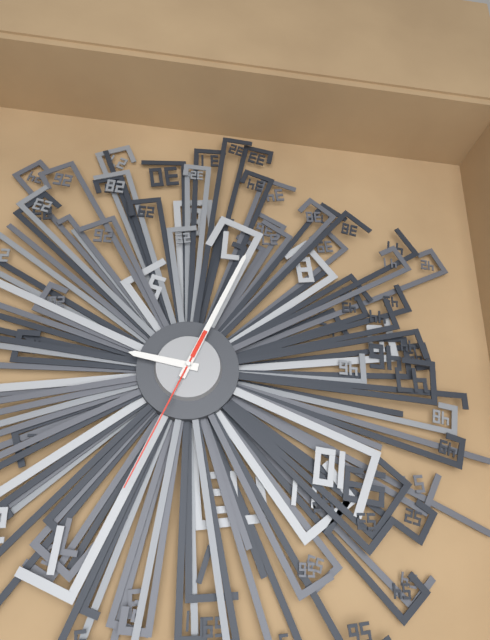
3:35:05
